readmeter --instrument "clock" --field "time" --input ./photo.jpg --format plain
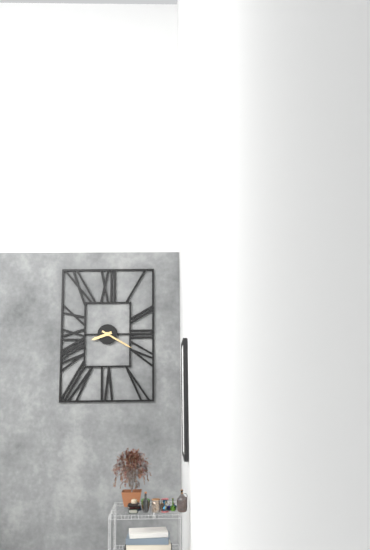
8:20
